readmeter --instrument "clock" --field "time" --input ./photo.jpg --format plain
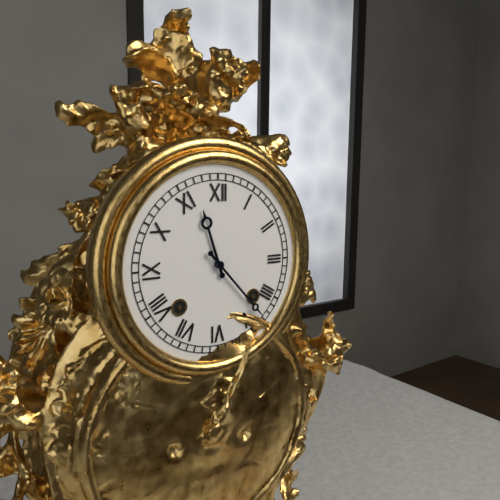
11:23
